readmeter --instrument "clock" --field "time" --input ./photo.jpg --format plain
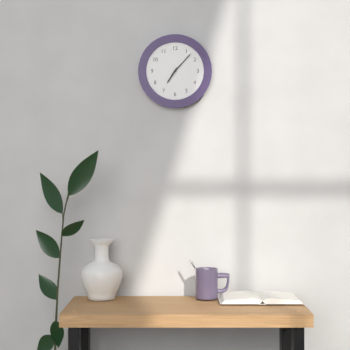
7:07
